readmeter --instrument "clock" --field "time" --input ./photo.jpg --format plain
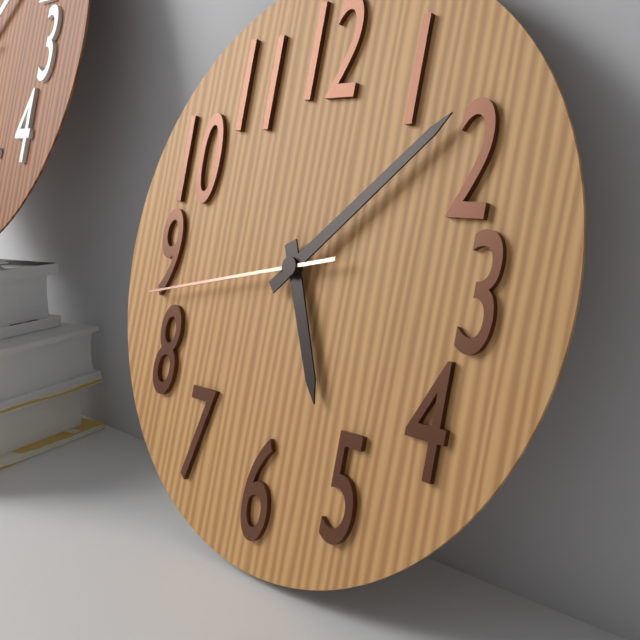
5:08:43
